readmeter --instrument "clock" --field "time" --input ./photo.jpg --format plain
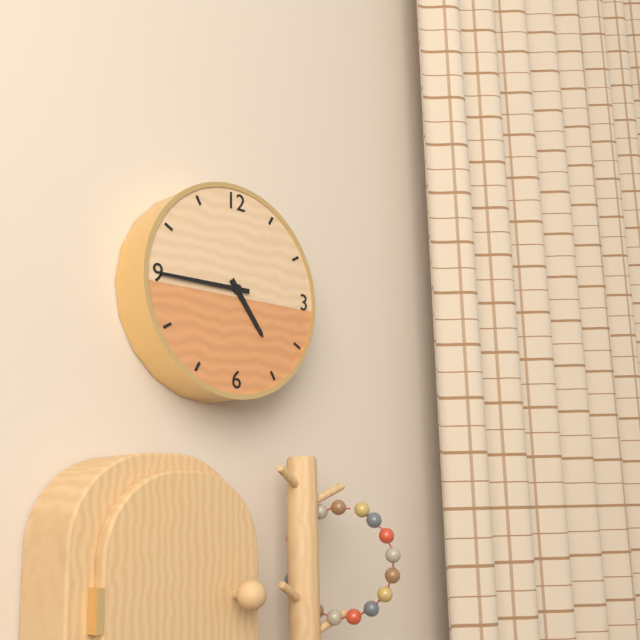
4:45
